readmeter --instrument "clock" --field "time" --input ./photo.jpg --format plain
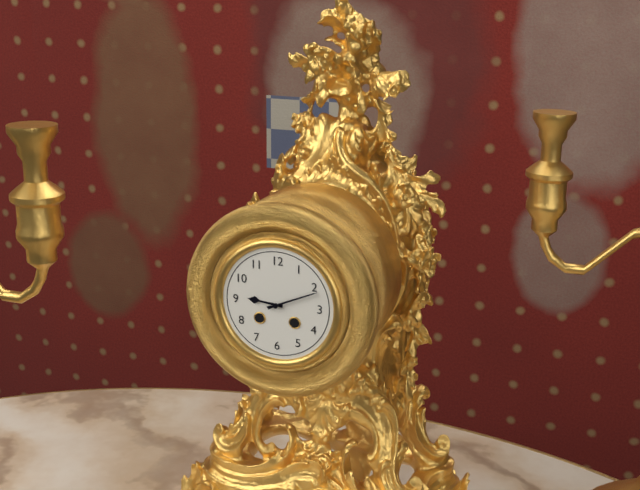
9:11
